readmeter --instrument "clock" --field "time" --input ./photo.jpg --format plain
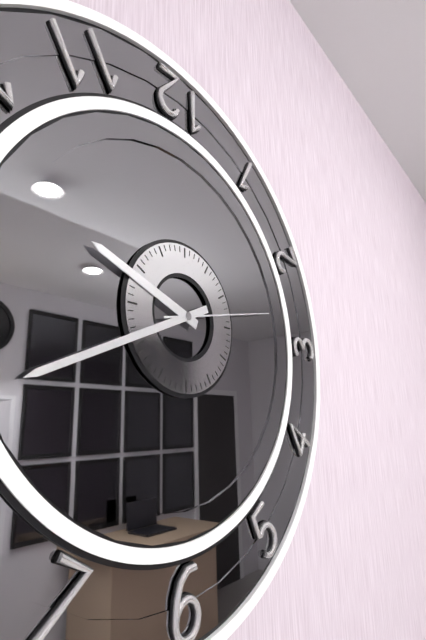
9:41:13
